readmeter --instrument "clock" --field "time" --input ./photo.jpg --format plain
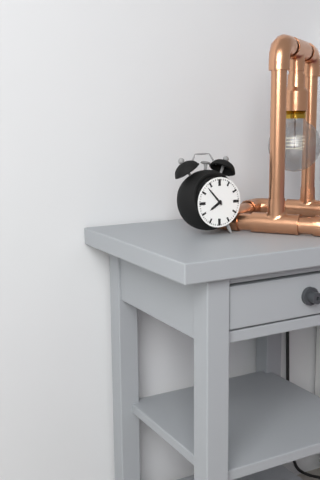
7:53
